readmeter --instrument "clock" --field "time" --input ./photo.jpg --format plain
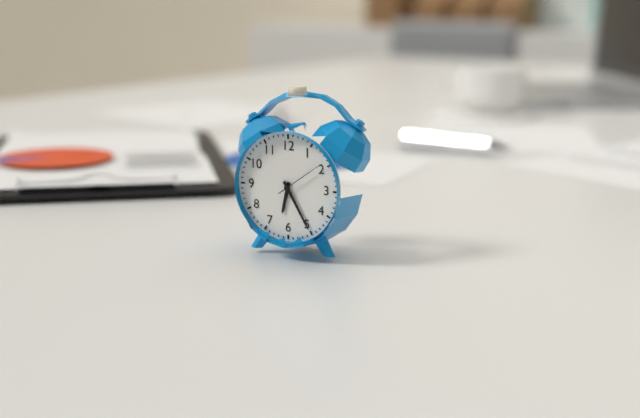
6:25:09
